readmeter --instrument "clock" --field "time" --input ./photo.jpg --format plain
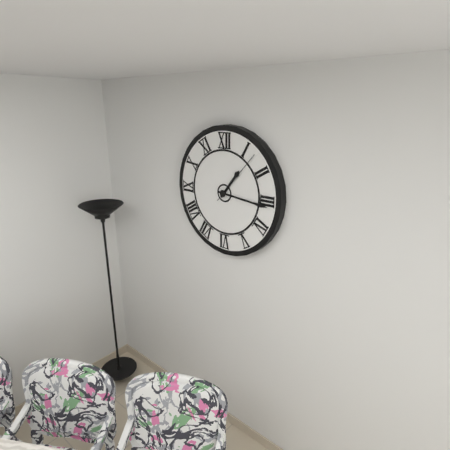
1:16:07
